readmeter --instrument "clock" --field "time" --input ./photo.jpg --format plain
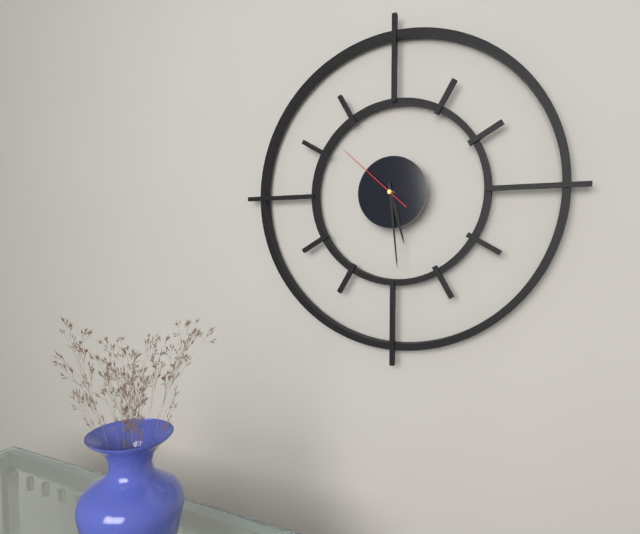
5:29:52
